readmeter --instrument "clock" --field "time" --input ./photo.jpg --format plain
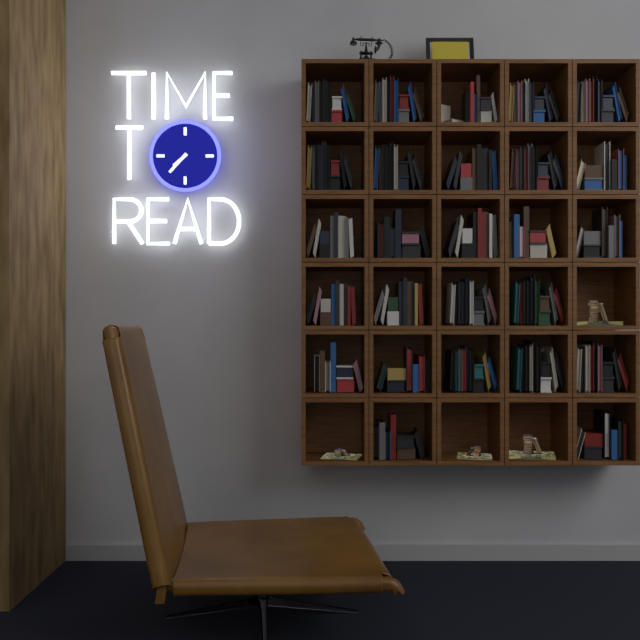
7:37
